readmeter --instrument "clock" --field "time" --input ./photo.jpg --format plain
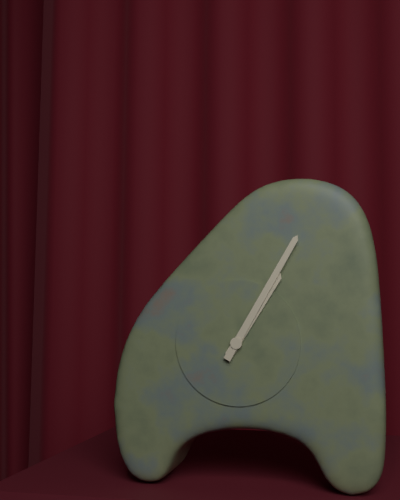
1:05
